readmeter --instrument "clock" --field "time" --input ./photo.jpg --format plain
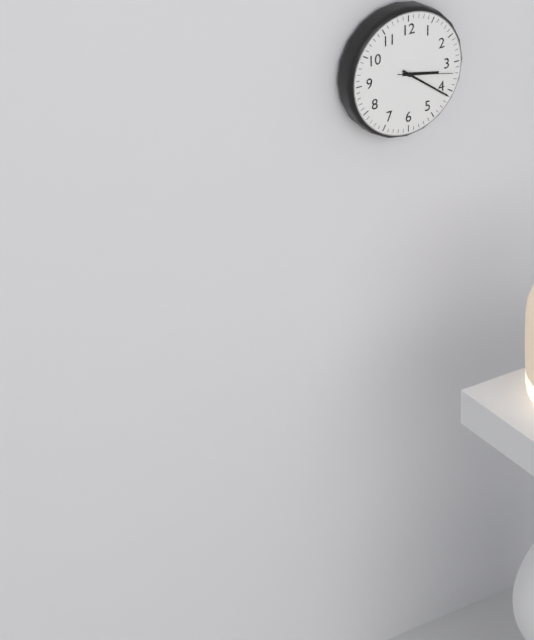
3:21:17
